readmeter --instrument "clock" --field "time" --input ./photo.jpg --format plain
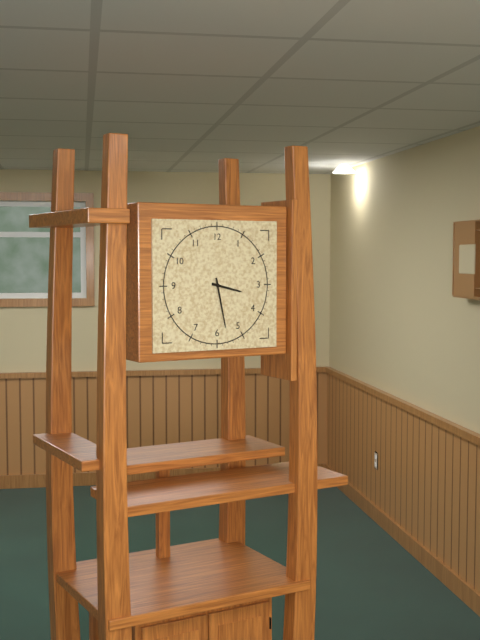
3:28
